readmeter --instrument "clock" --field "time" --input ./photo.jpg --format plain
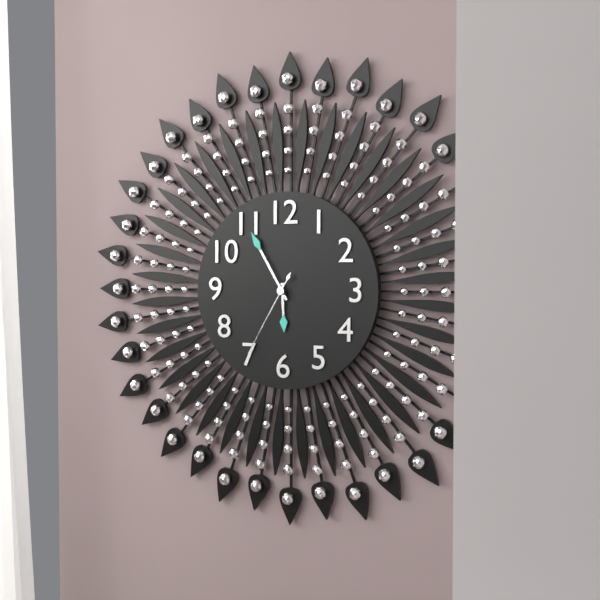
5:55:35
